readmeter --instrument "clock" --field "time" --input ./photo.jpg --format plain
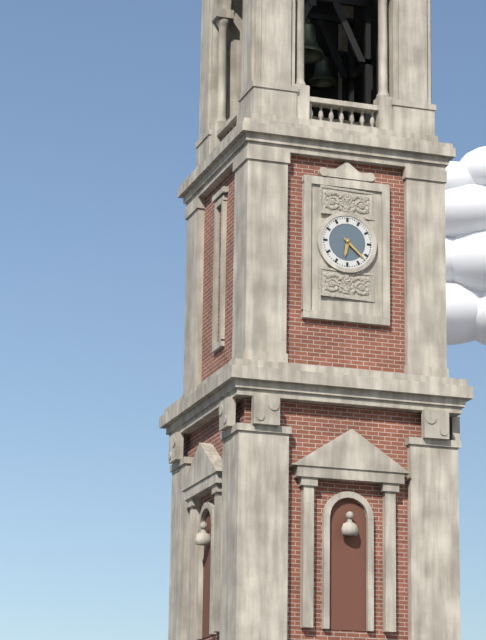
6:22
